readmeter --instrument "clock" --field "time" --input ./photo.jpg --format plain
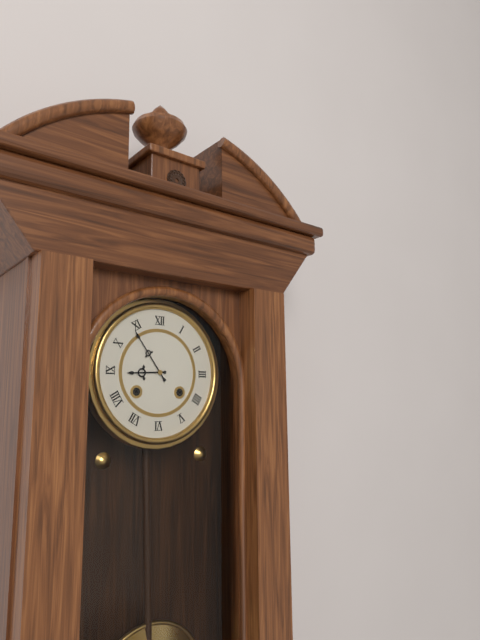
8:54
